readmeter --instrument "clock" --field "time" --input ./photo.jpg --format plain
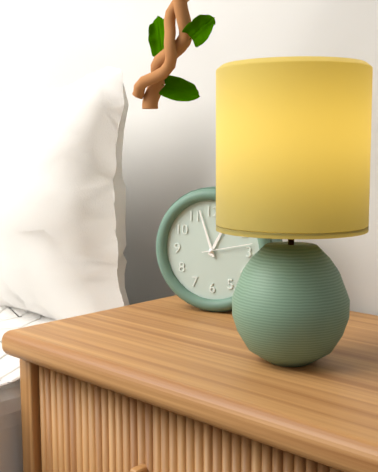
12:57:13
